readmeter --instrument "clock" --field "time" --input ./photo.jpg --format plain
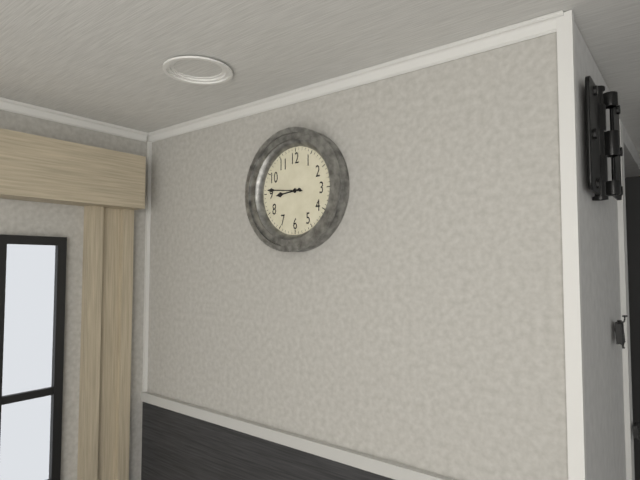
8:46
